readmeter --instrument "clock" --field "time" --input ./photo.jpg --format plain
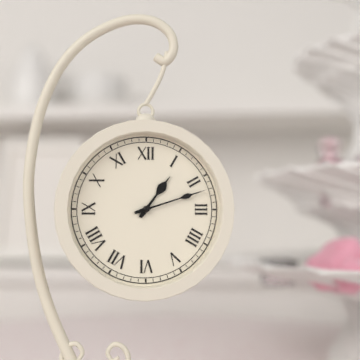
1:12
